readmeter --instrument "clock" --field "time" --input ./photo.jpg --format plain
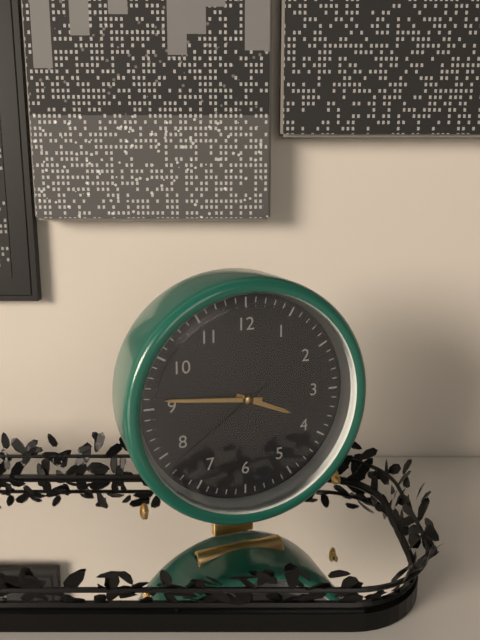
3:46:39
